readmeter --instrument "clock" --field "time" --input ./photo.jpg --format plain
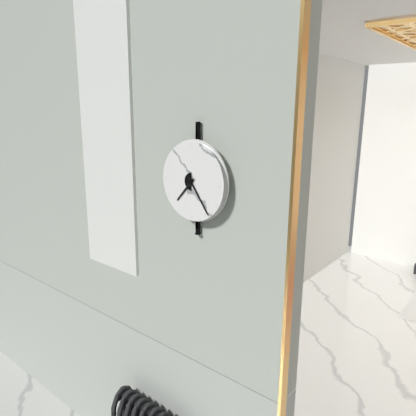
7:24
